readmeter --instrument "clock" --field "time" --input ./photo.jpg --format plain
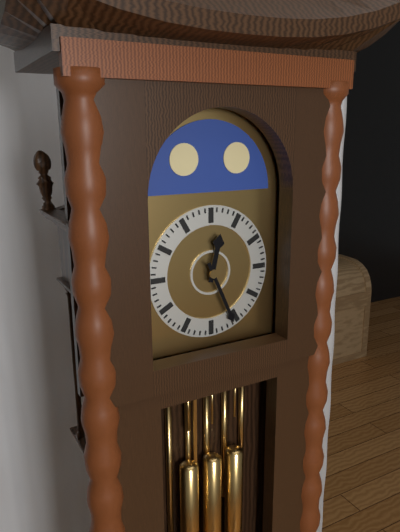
12:26
